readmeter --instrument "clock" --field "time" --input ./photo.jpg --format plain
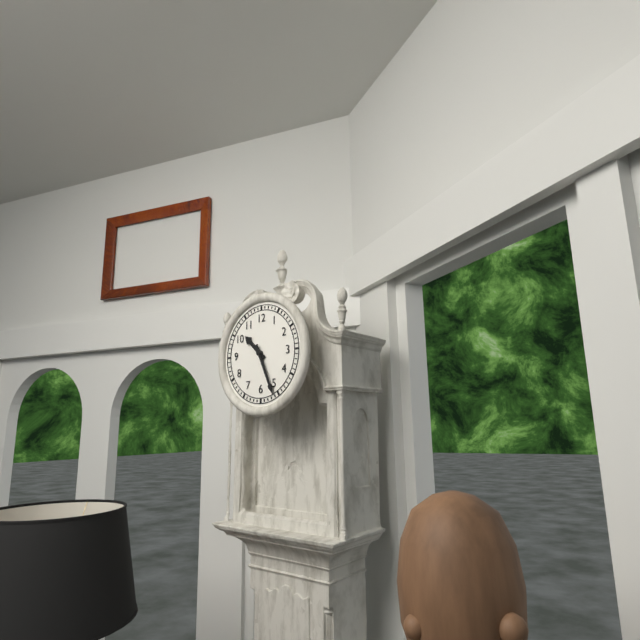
10:26
